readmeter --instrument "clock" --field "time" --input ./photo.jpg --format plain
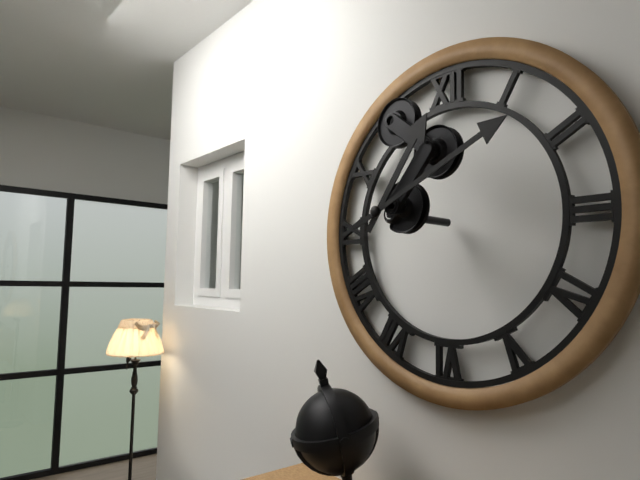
1:11
